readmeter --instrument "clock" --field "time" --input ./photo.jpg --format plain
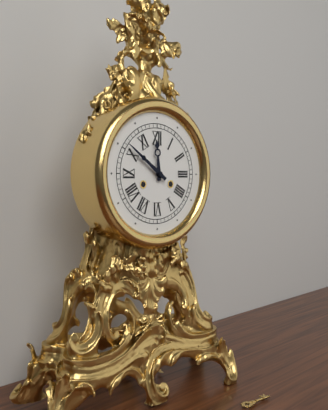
11:51
